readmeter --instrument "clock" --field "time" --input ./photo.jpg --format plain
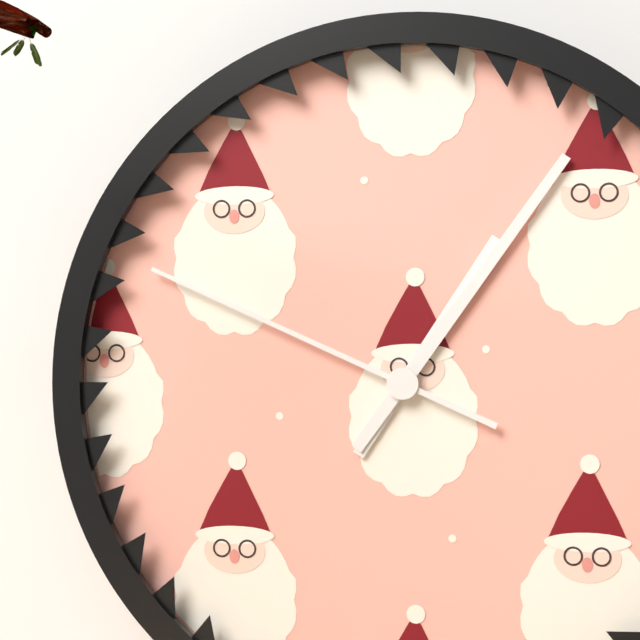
1:06:49
